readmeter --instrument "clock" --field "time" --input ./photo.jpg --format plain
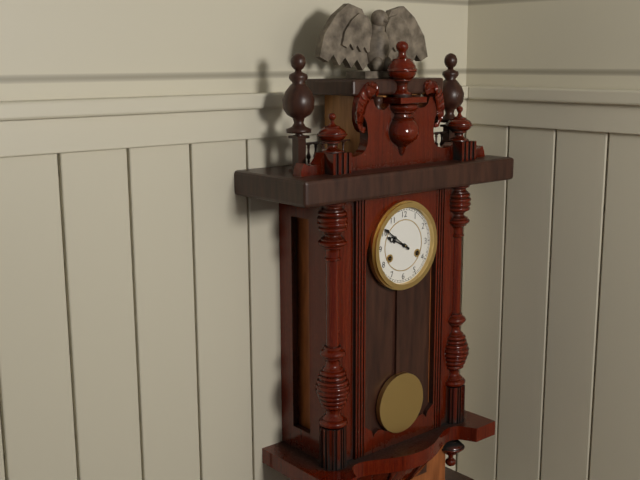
9:51
